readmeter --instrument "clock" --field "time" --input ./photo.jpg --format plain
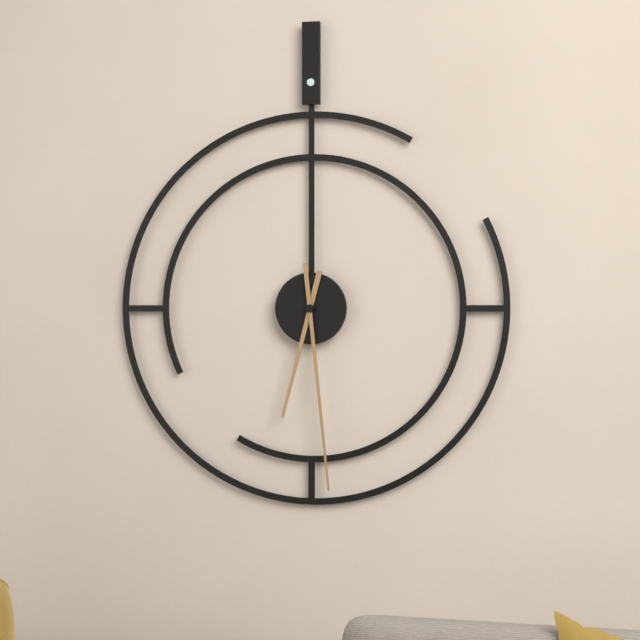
6:29
